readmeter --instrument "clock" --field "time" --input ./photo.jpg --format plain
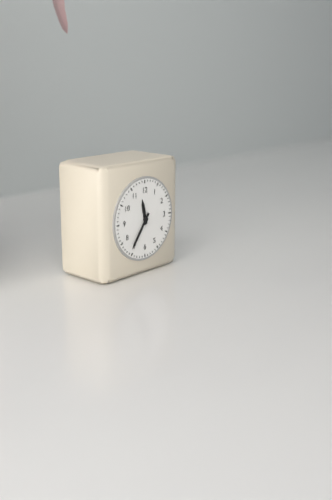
11:36
